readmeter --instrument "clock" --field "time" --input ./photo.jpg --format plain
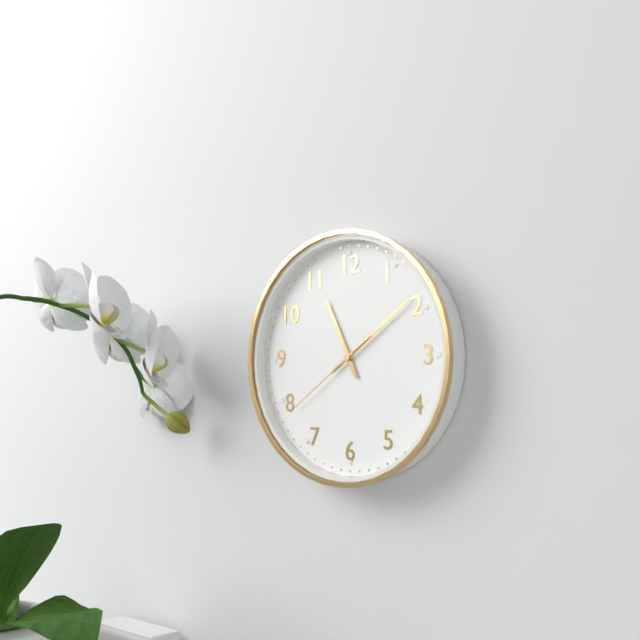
11:09:39
